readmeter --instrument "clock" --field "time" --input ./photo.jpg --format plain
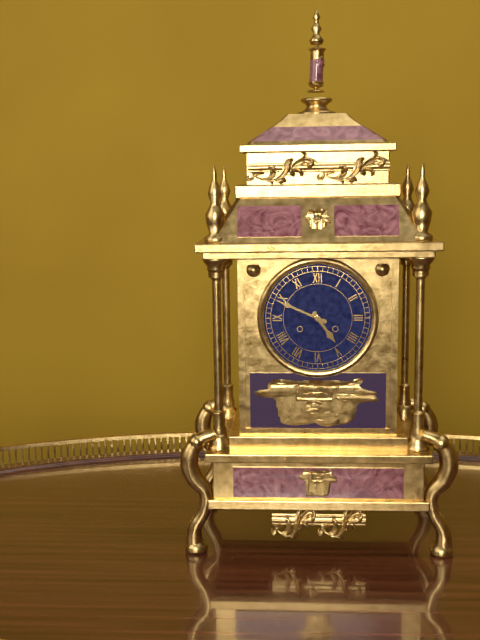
4:49
